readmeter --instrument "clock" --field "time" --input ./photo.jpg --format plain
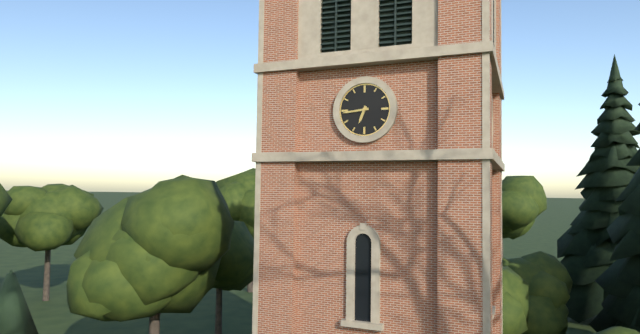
6:44
